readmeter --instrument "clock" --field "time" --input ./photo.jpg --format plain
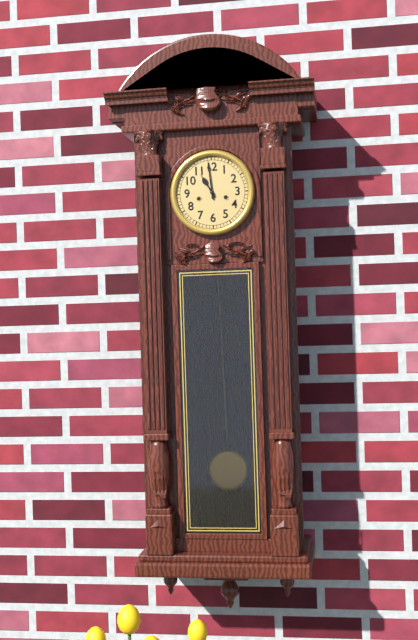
10:59
